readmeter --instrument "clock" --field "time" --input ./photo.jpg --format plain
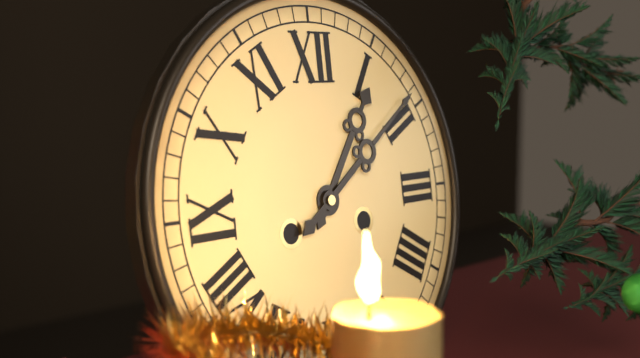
1:09
